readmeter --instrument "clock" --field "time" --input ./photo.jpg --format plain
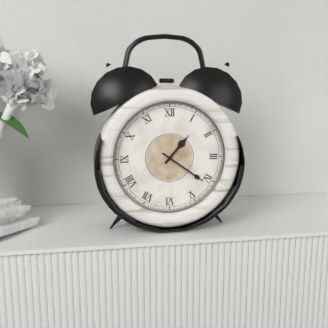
1:21
